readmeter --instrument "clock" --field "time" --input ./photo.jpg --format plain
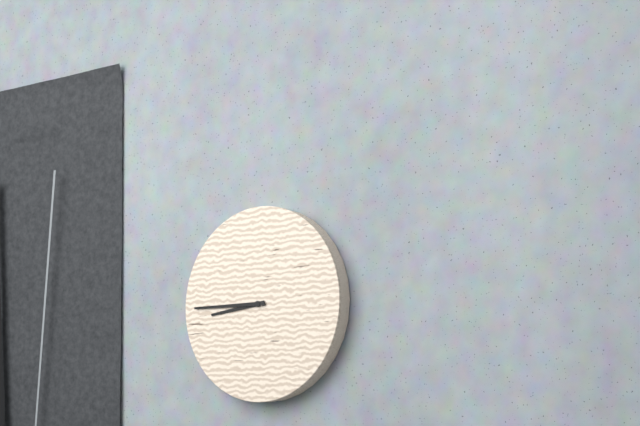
8:45
